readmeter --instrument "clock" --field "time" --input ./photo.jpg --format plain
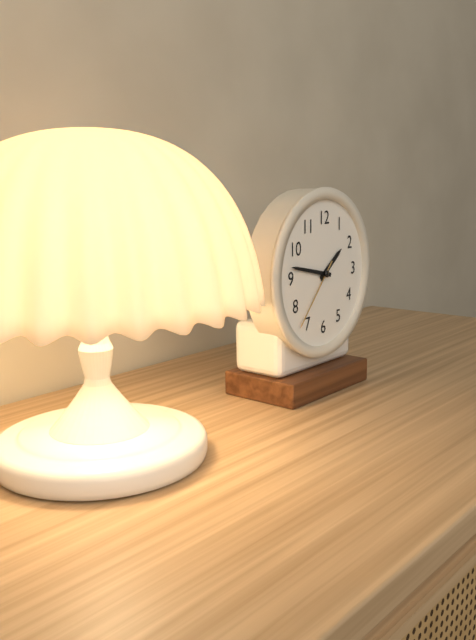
1:47:37
